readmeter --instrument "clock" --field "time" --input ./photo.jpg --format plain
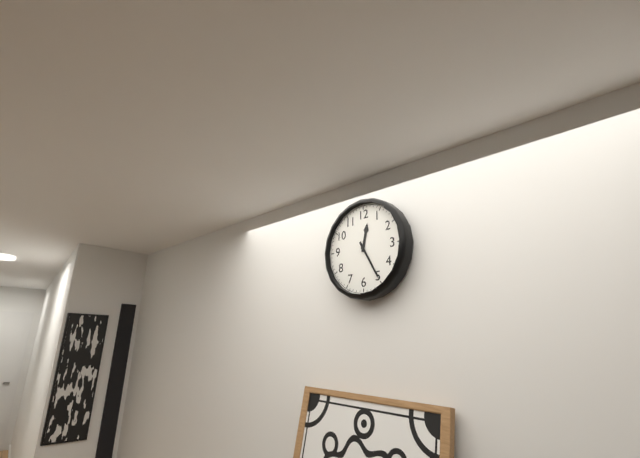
12:25
